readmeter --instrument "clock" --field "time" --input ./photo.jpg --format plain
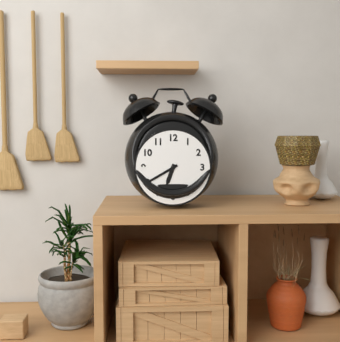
6:40
